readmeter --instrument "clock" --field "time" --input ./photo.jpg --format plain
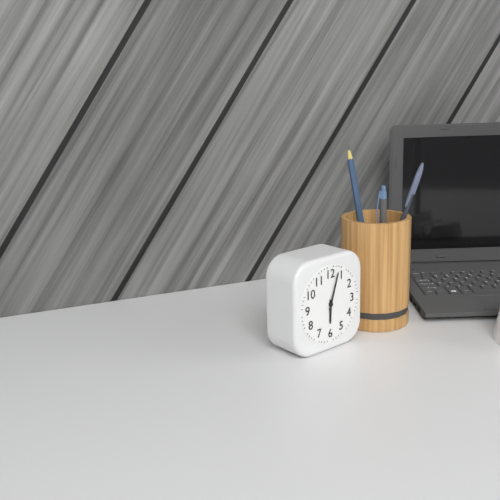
6:03
